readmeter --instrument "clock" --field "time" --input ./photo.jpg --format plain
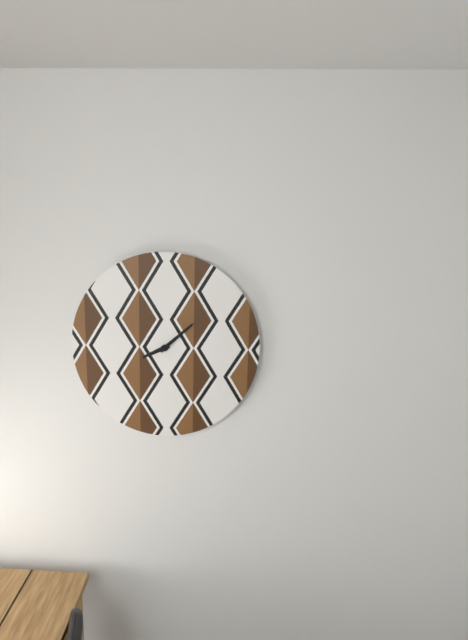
8:08
